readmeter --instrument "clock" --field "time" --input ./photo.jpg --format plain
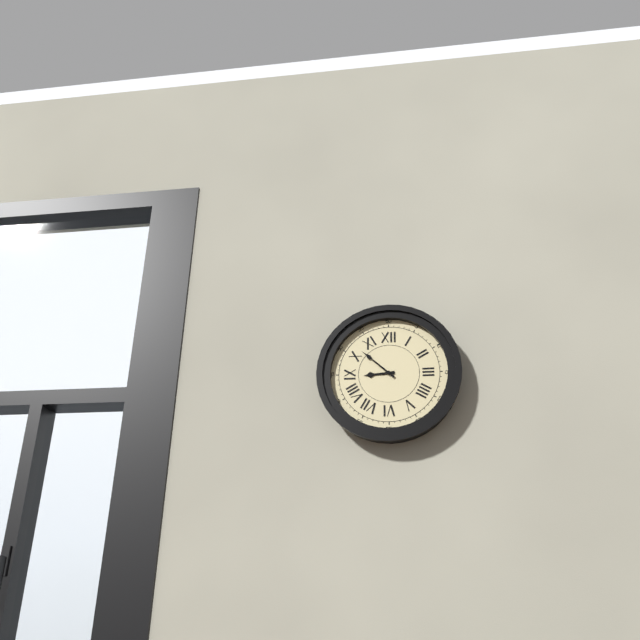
8:52
